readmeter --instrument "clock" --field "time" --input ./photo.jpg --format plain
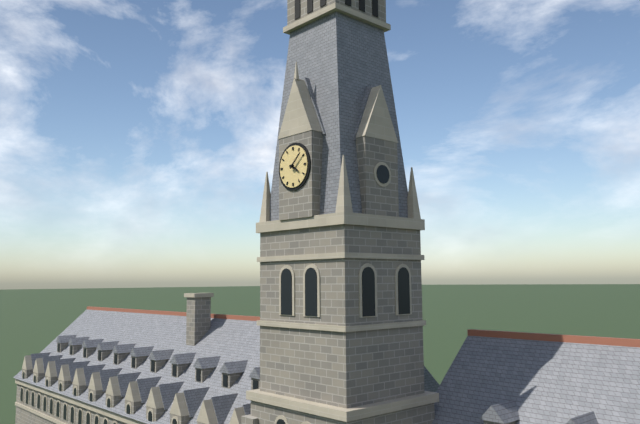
4:08
